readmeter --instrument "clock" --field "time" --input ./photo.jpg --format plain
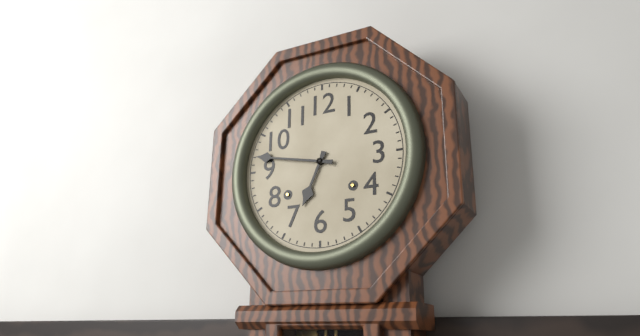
6:47
